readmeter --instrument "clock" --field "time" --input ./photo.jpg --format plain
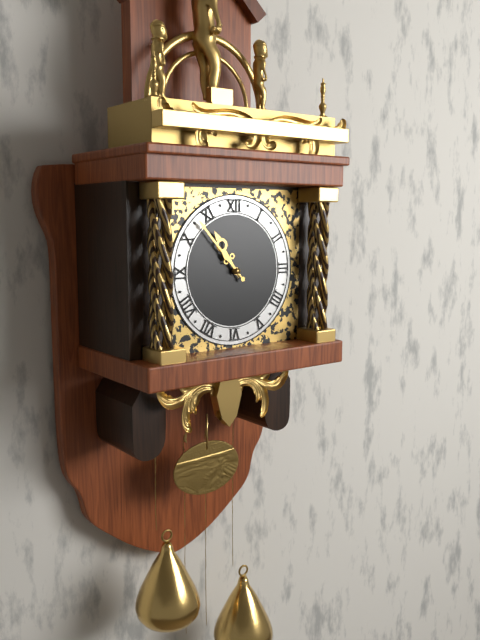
10:53
